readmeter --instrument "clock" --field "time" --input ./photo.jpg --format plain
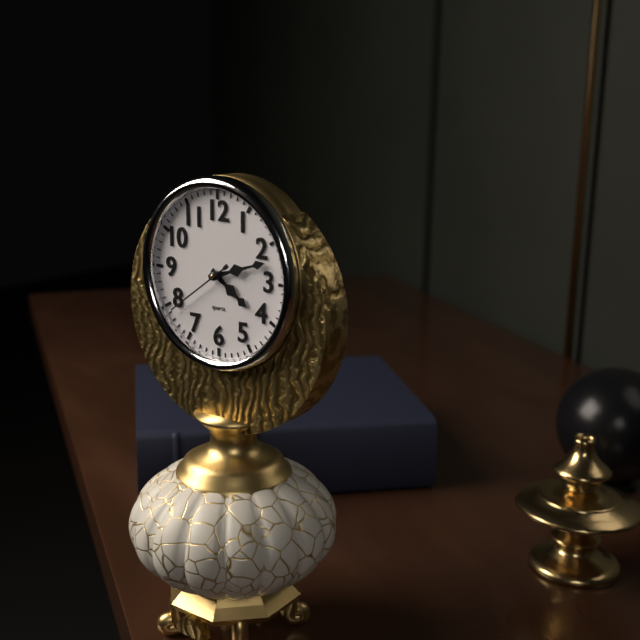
4:12:39
